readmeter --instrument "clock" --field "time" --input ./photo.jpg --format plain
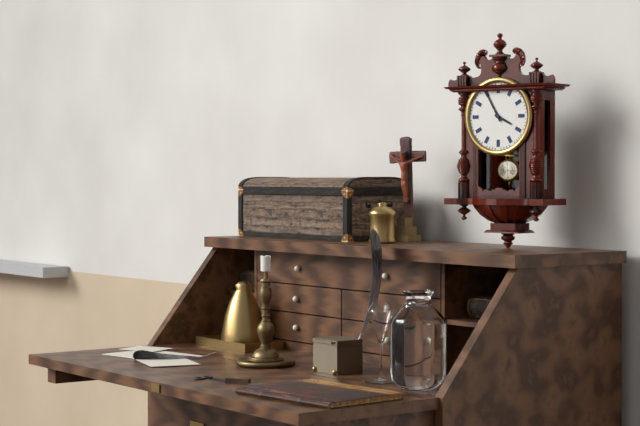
3:55
